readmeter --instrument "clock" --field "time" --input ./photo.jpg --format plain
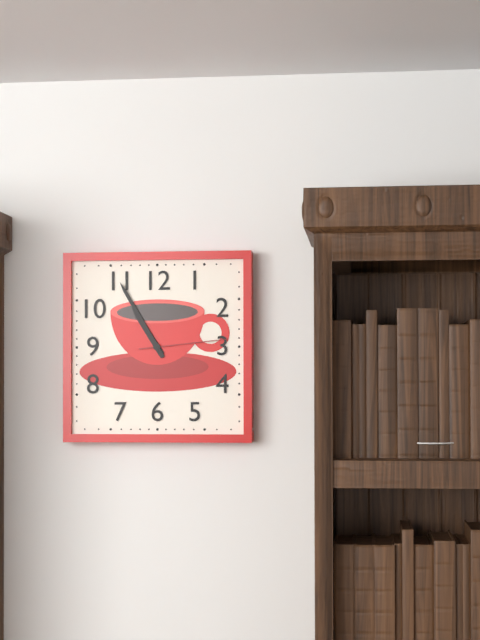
10:55:14
